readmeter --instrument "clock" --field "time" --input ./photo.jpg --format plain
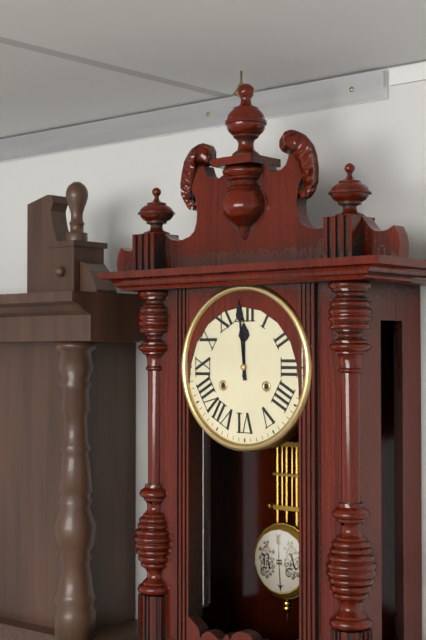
11:59
